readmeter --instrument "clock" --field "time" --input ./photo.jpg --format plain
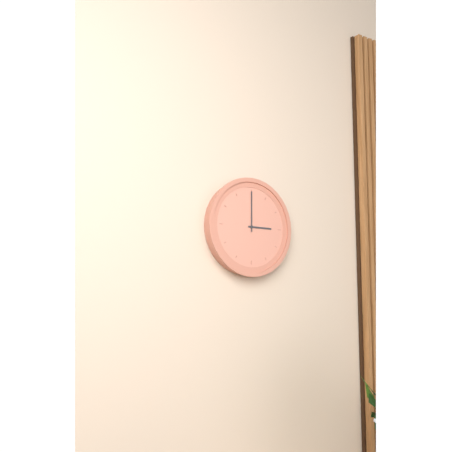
3:00
